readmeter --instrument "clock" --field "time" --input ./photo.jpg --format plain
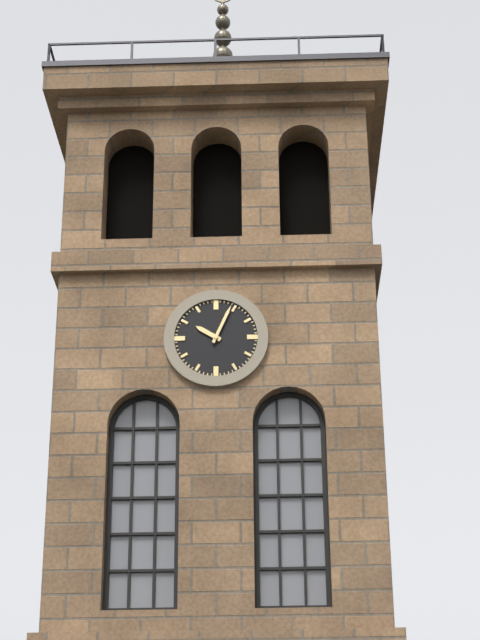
10:04
